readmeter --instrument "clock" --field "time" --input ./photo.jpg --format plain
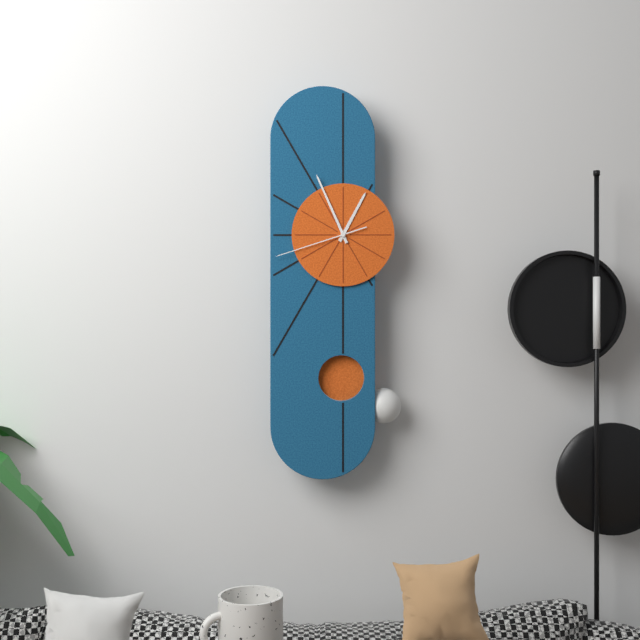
12:56:42
